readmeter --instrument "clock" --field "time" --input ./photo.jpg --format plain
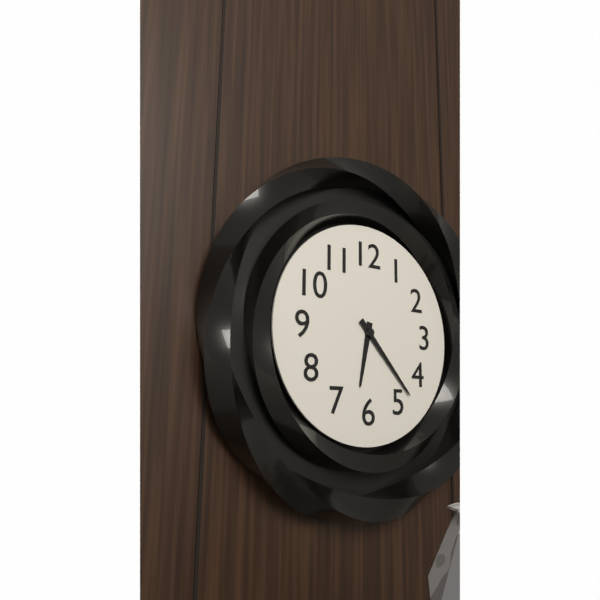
6:23
